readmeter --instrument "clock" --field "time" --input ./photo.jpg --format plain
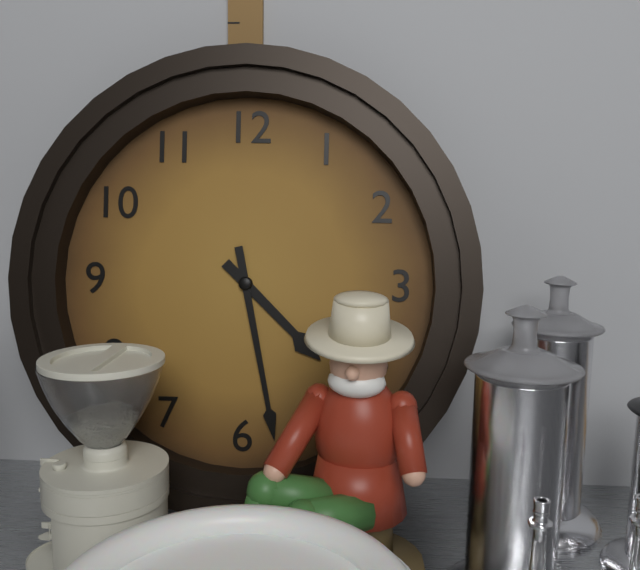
4:28
